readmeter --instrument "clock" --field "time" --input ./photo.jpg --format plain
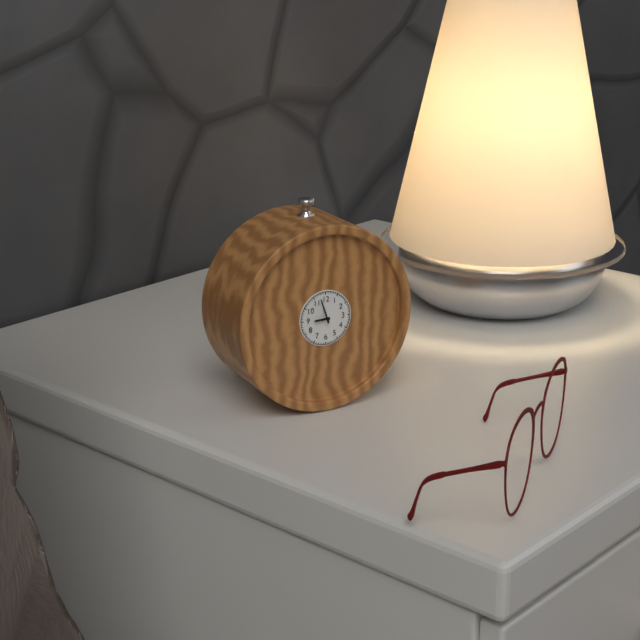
8:57
